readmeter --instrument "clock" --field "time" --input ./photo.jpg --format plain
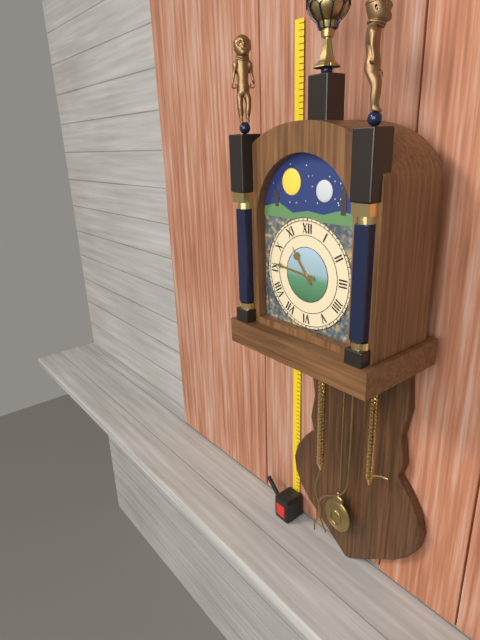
10:46
